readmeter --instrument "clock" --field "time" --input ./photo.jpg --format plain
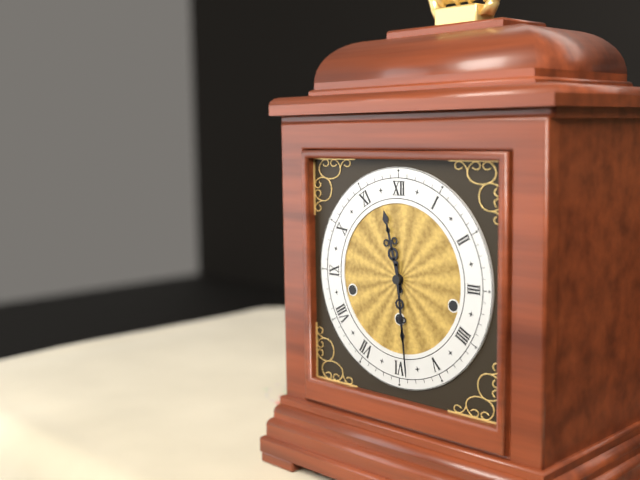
11:29
